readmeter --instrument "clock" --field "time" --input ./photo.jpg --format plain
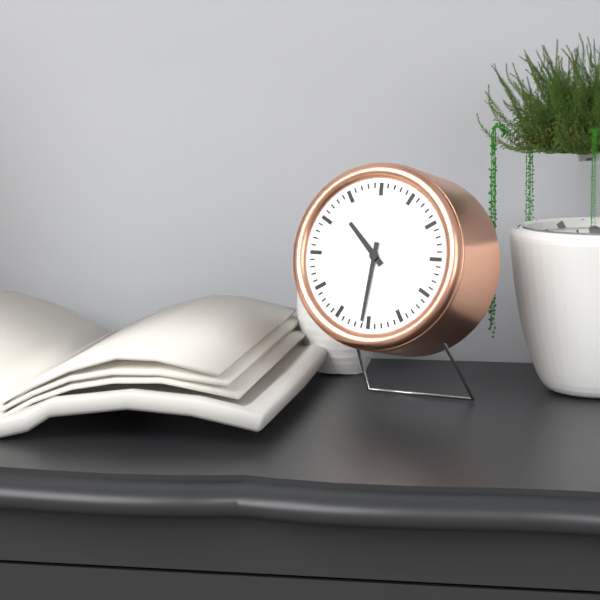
10:31
